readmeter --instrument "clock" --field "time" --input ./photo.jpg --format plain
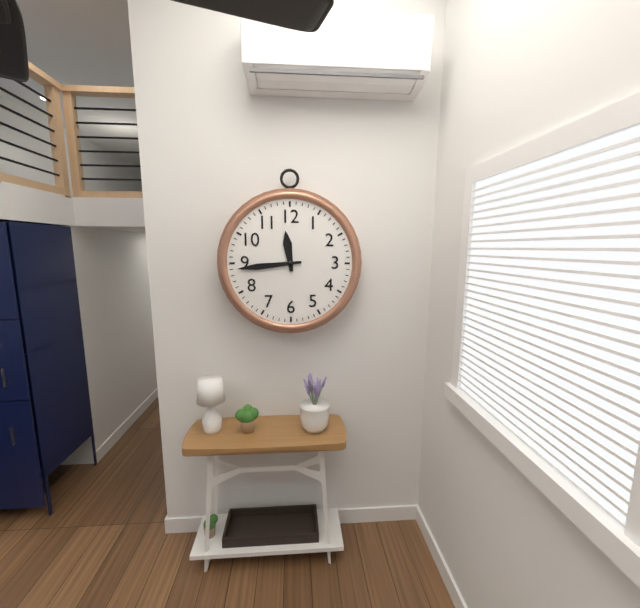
11:44
